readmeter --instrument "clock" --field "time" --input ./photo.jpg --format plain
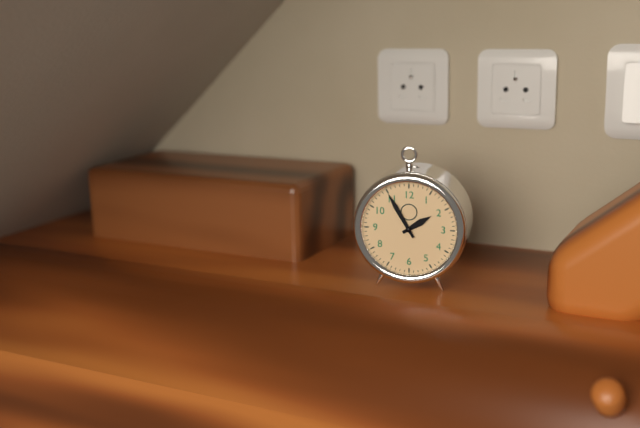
1:55
